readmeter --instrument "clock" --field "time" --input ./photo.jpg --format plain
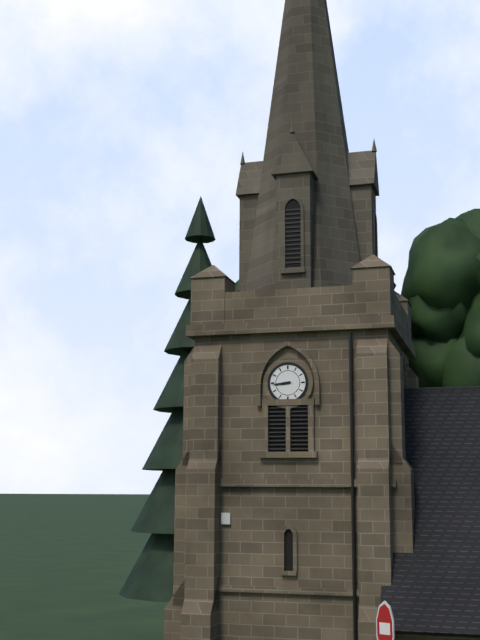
8:44
